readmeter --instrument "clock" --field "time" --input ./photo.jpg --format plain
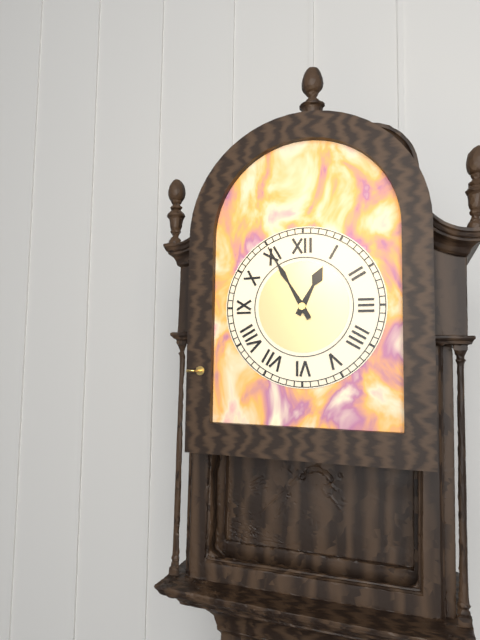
12:55
